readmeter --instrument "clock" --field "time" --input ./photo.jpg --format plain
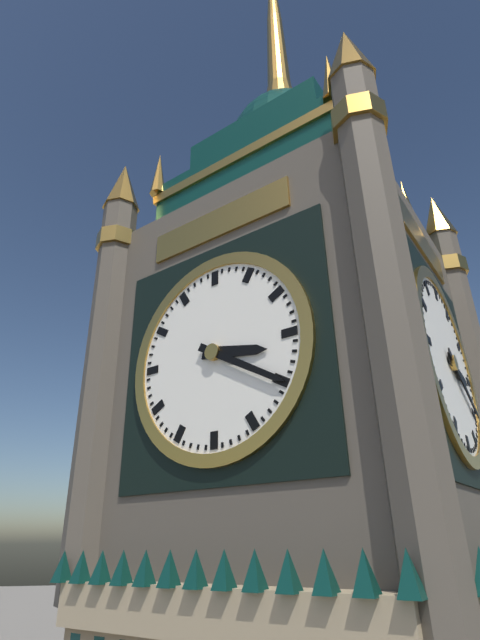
3:20
